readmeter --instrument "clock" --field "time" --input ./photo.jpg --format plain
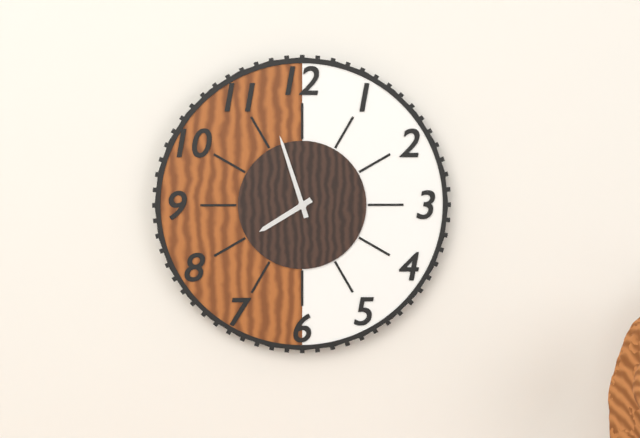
7:57
